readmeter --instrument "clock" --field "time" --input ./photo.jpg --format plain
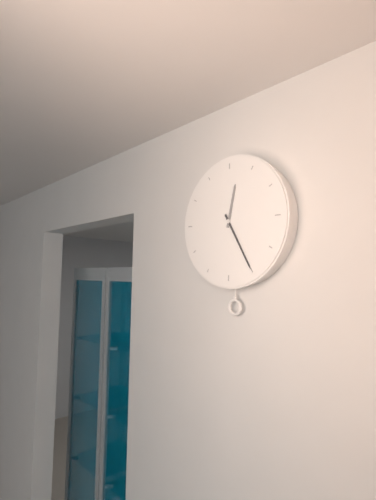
12:25
